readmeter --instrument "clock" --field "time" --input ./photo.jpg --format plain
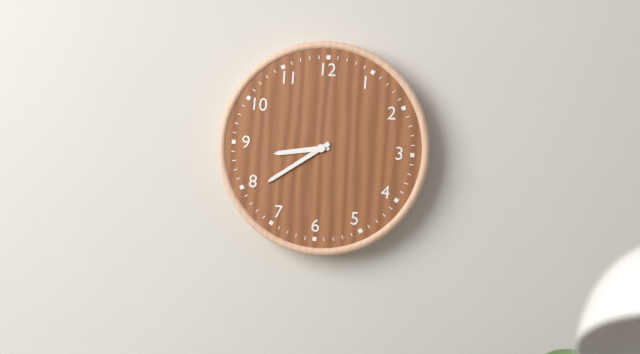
8:39
